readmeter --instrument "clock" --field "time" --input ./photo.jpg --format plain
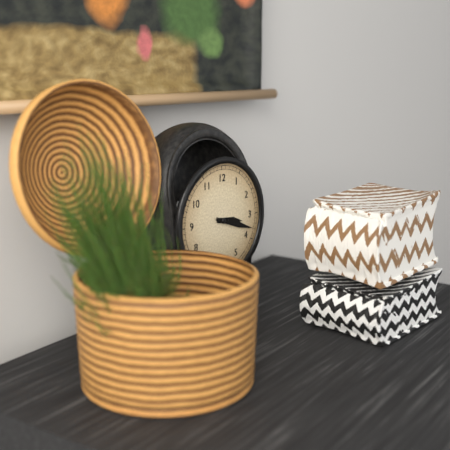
3:18
